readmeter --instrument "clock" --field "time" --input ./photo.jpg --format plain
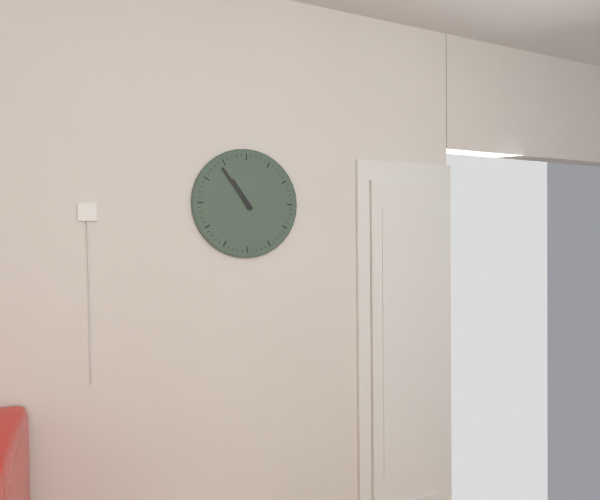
10:54
